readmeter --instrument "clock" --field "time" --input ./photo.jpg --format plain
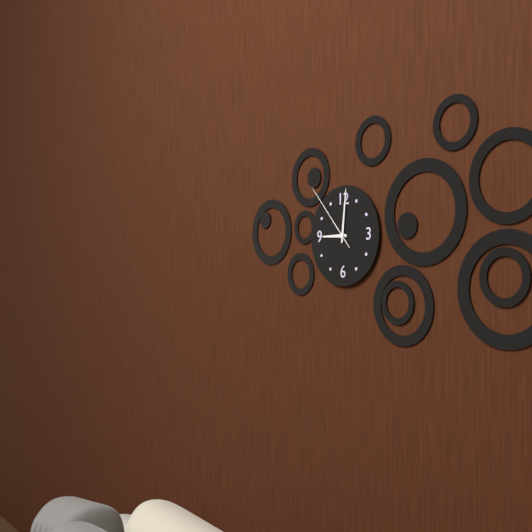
9:01:53
